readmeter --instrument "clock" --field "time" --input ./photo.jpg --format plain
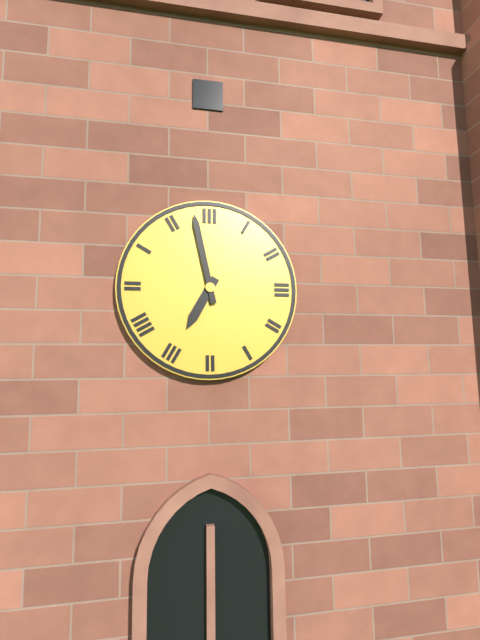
6:58
